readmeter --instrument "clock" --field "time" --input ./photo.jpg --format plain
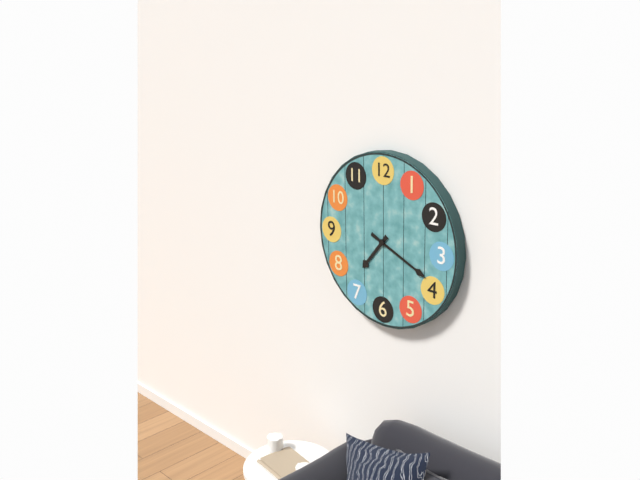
7:19
